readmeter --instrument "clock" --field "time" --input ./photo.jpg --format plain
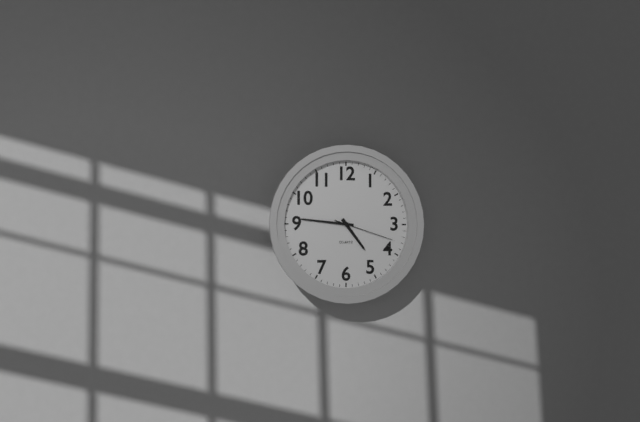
4:46:18
